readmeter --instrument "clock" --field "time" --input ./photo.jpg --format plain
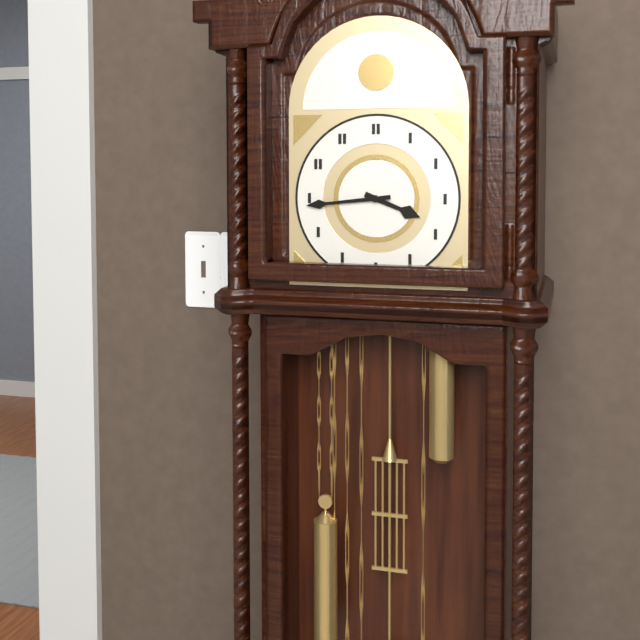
3:44
